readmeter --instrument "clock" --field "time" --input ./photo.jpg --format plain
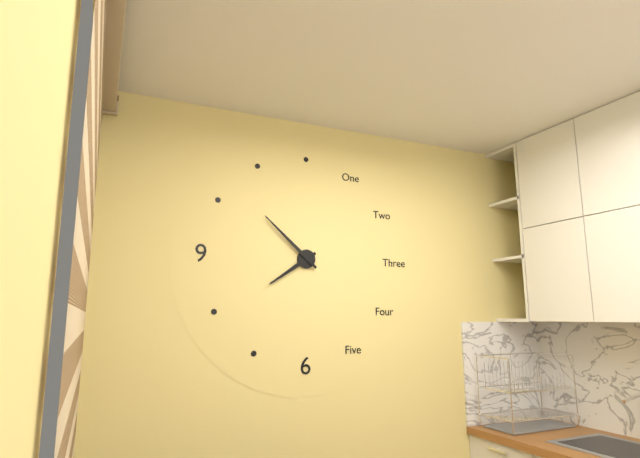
7:52
